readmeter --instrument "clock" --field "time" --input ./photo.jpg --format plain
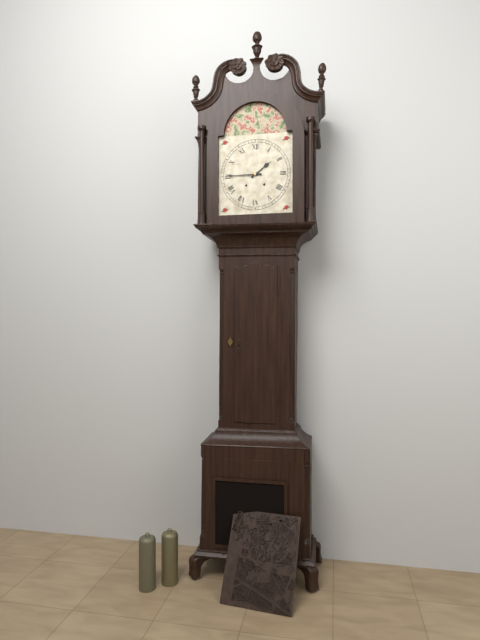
1:45
